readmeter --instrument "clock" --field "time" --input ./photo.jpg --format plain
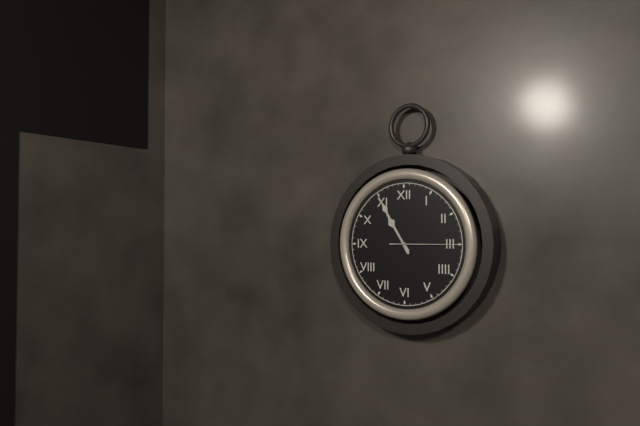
10:55:15
